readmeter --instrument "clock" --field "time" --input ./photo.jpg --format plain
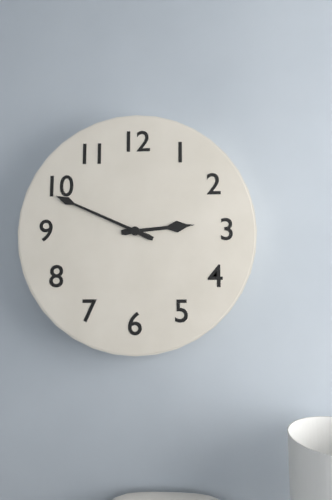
2:49
